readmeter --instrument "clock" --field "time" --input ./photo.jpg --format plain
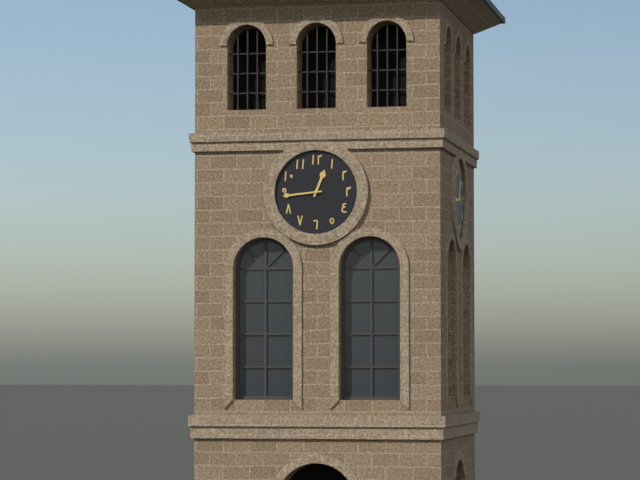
12:44
